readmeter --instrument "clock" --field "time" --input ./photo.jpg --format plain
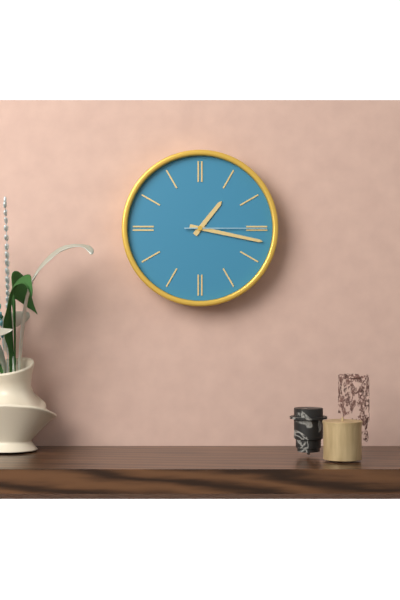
1:17:15
